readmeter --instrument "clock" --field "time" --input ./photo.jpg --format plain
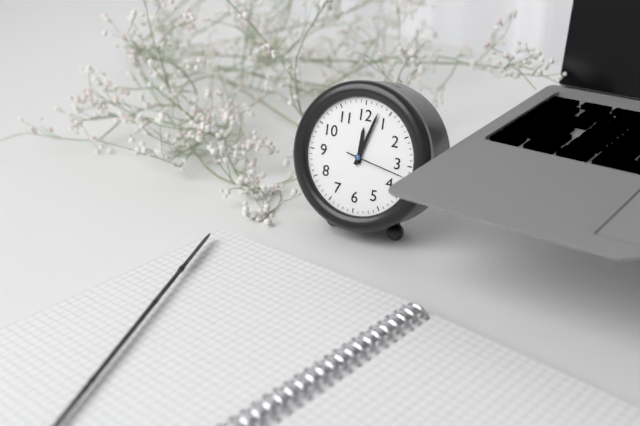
12:03:17
